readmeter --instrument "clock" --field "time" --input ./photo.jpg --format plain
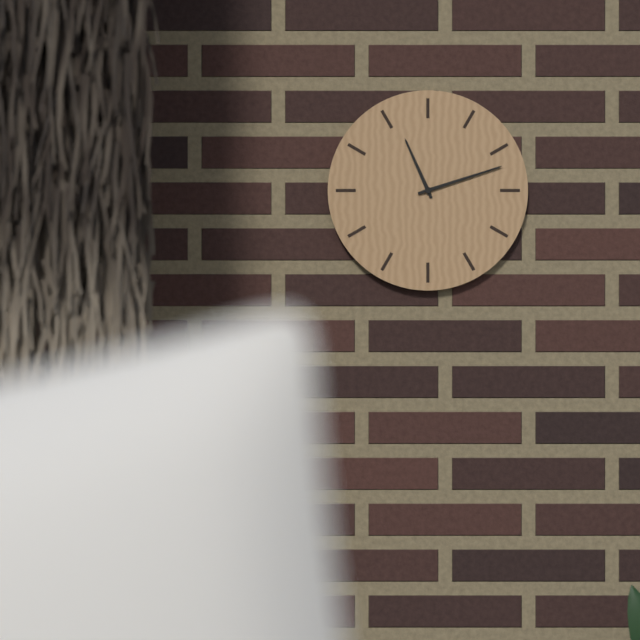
11:12
